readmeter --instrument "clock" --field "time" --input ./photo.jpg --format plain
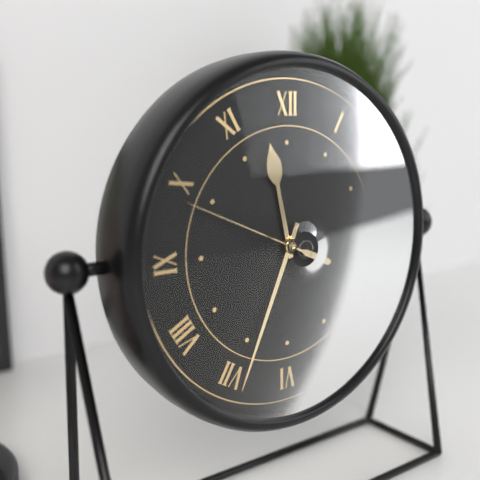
11:34:49
